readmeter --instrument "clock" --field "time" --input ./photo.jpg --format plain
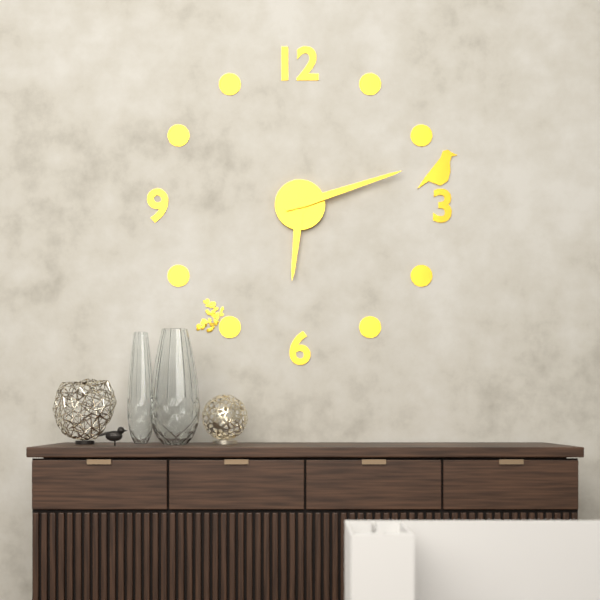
6:12
